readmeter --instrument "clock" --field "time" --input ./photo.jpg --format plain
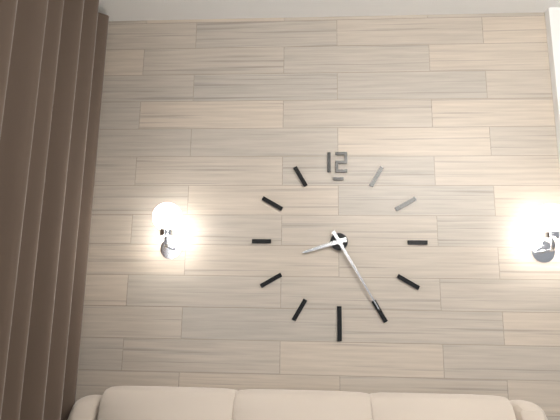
8:25
